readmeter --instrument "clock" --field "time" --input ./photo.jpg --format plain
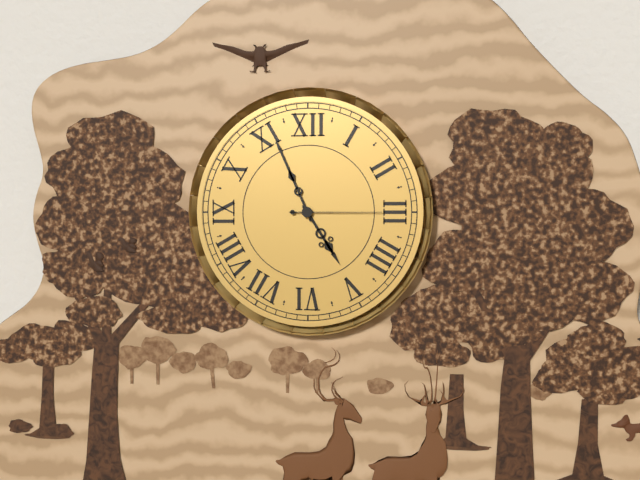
4:56:15
